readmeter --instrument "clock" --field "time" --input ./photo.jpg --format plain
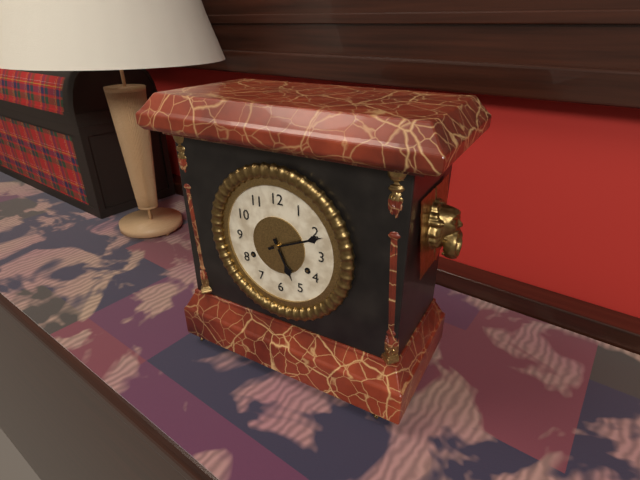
5:11
